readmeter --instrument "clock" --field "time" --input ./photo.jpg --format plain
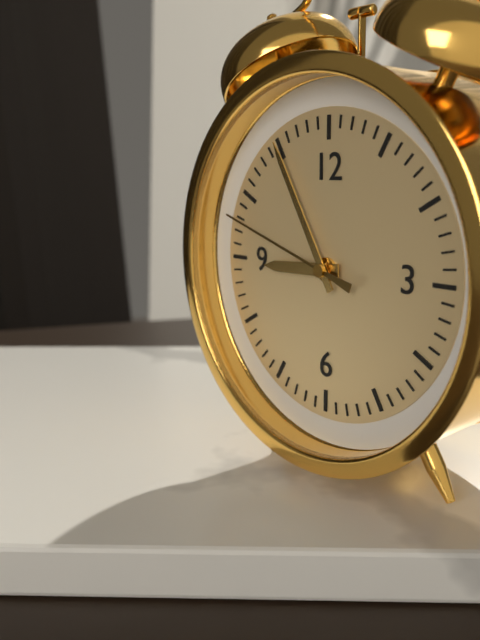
8:55:48
